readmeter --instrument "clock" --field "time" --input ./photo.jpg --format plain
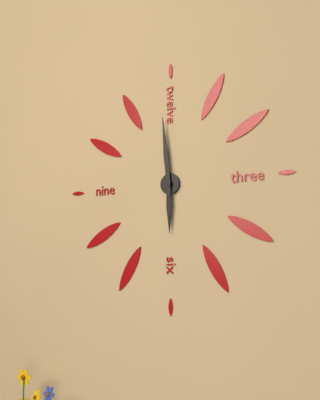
5:59
